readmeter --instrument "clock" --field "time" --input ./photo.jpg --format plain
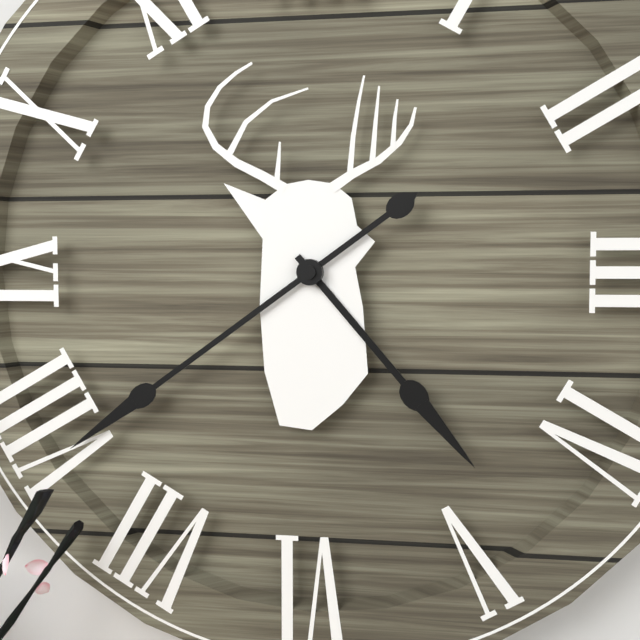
4:39
